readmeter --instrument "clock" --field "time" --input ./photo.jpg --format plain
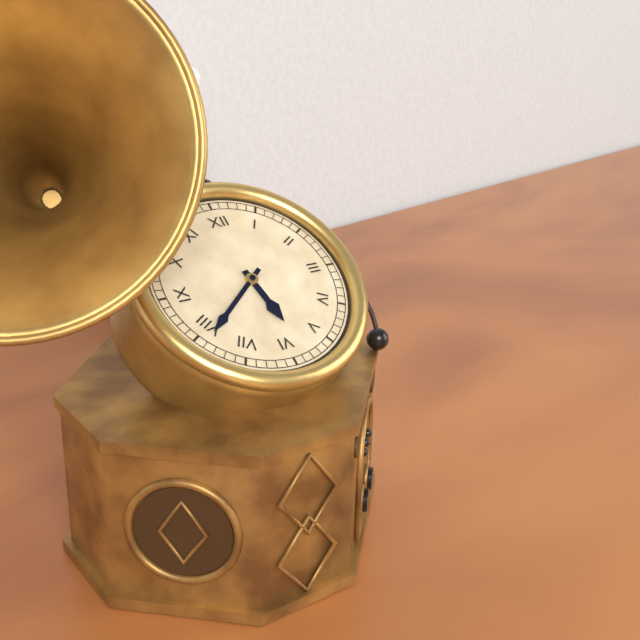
5:39
